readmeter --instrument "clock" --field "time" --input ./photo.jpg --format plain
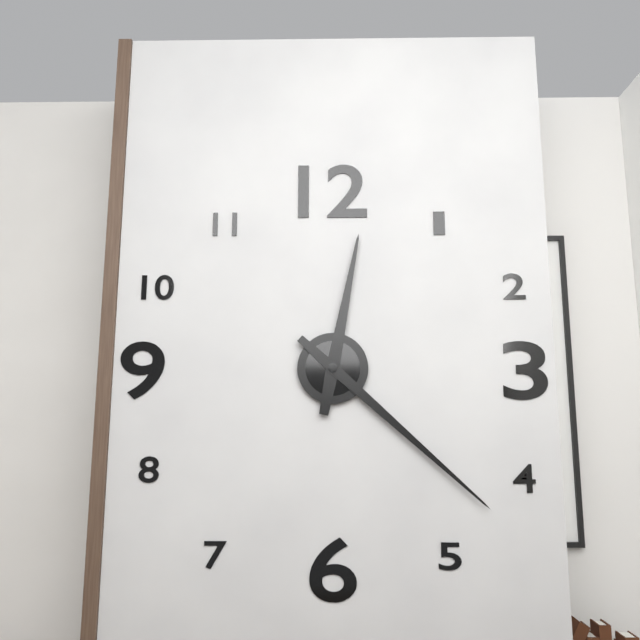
12:22
